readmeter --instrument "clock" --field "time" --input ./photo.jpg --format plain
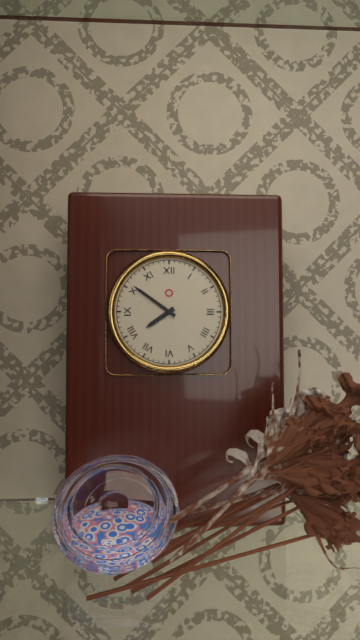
7:51
